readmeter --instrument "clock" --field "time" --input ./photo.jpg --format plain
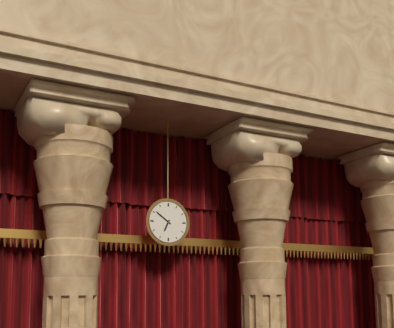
6:51
